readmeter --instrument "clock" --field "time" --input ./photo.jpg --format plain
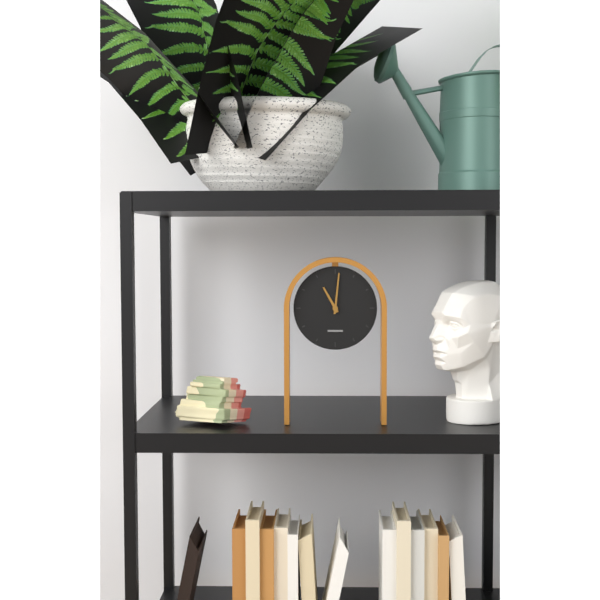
11:01
